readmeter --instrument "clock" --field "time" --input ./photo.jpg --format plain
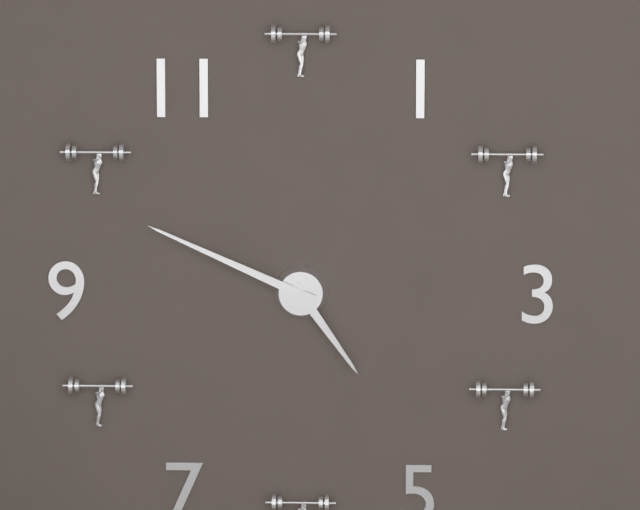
4:49
